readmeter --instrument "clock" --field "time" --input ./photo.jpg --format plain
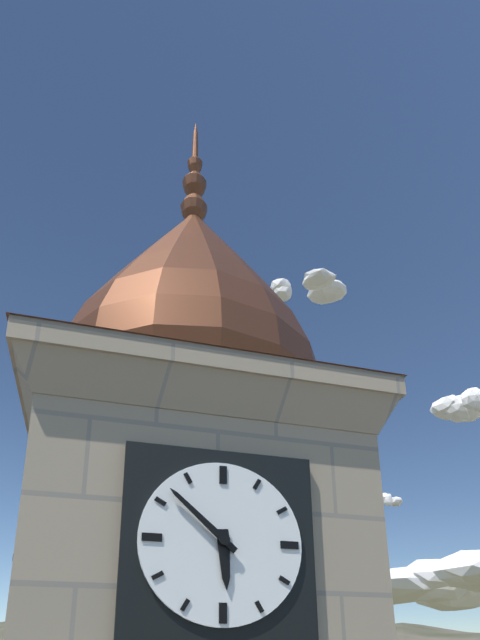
5:52
